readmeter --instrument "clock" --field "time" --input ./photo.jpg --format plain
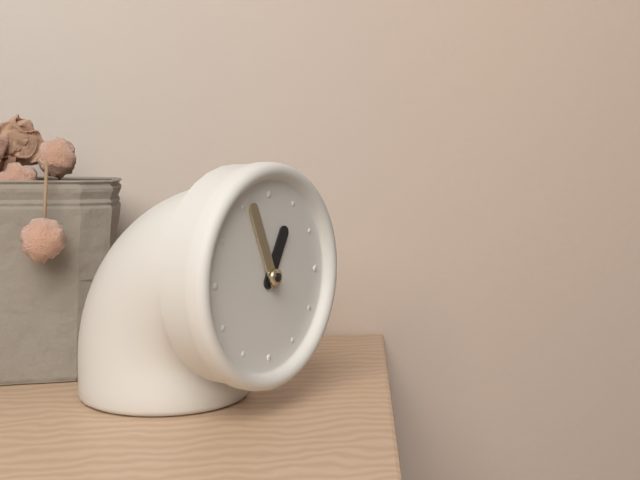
12:56
